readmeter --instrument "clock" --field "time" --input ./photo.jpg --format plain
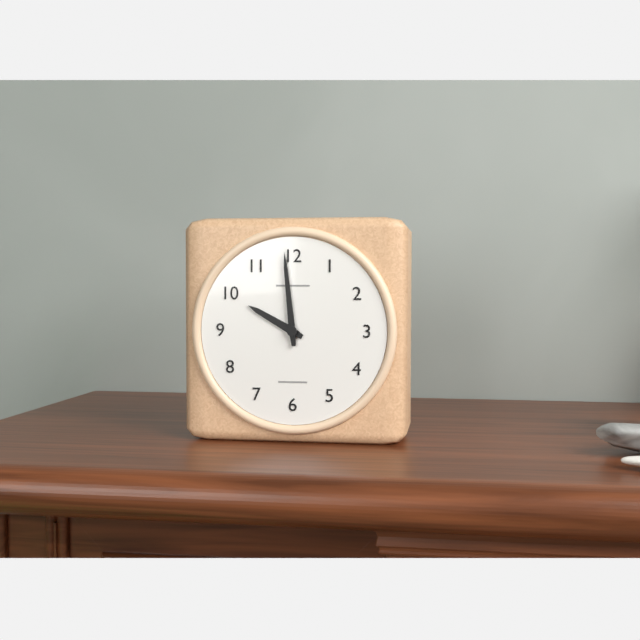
9:59
